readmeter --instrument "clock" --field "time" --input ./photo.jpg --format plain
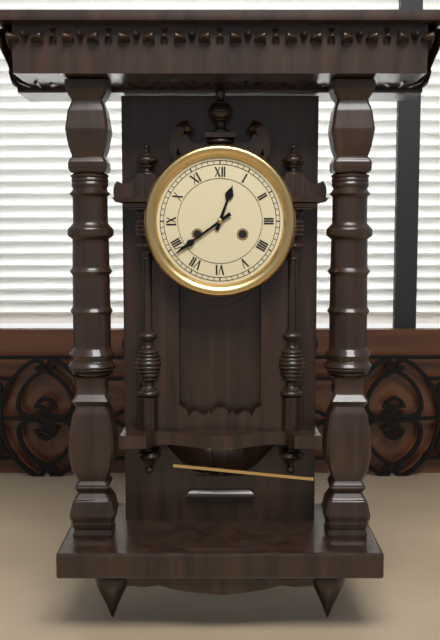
12:39
